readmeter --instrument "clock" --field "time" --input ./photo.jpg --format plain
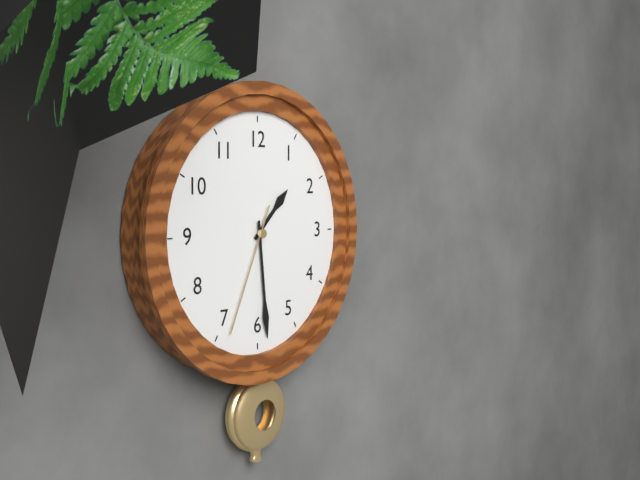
1:29:34
